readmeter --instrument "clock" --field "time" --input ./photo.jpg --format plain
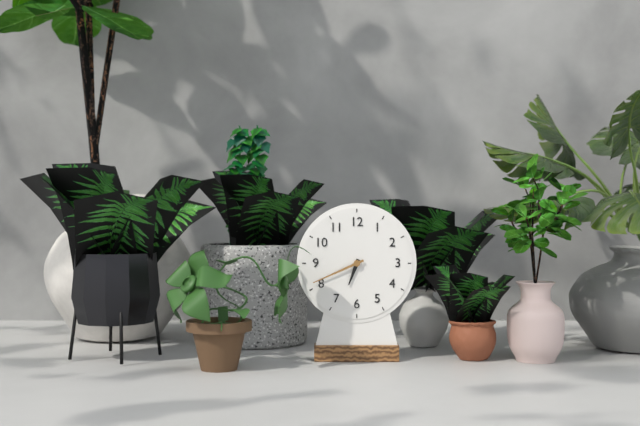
6:41
